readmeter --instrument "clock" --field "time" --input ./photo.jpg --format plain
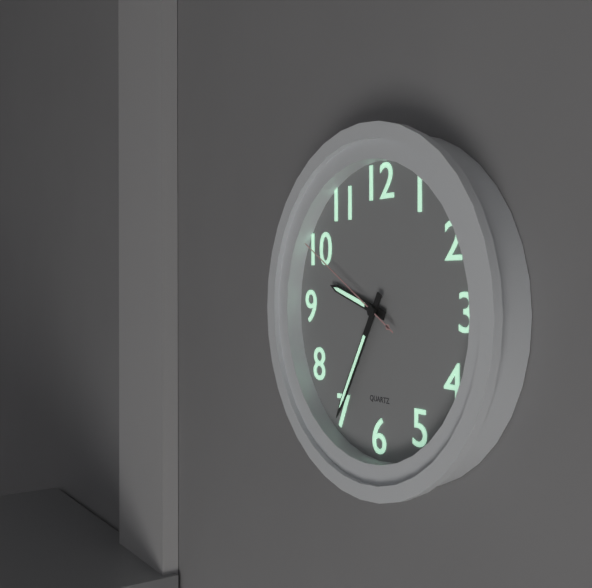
9:35:50
